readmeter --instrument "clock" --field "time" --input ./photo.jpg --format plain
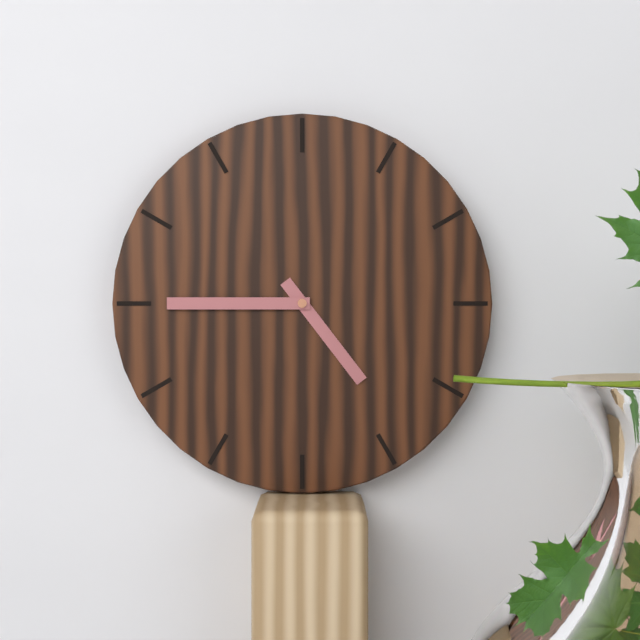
4:45
